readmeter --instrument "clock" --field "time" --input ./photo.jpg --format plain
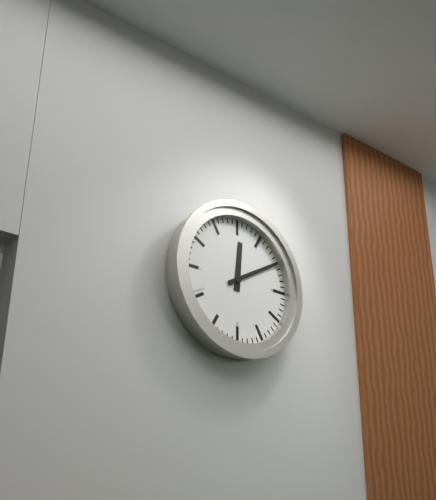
12:10
